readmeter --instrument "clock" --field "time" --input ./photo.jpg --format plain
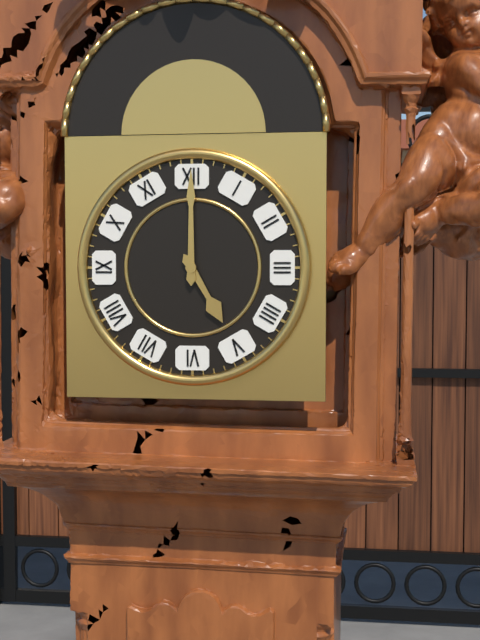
5:00
